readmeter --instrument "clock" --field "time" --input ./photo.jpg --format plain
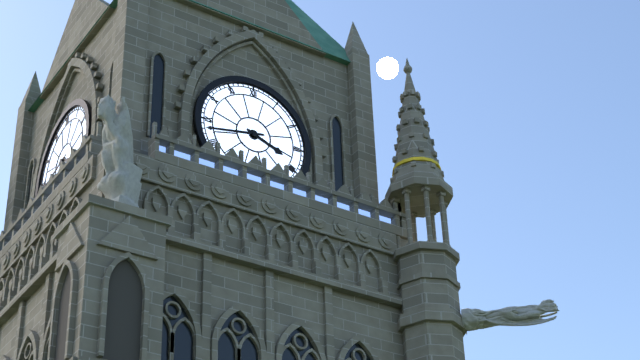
3:43
